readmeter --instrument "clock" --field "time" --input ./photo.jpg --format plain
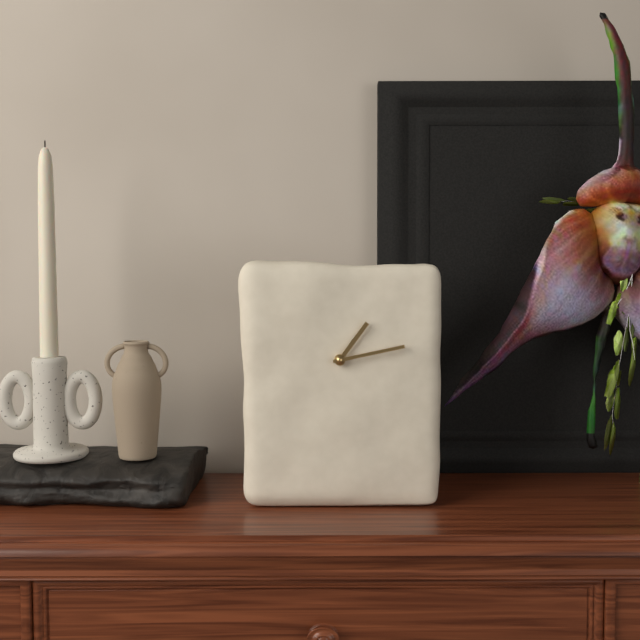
1:13
